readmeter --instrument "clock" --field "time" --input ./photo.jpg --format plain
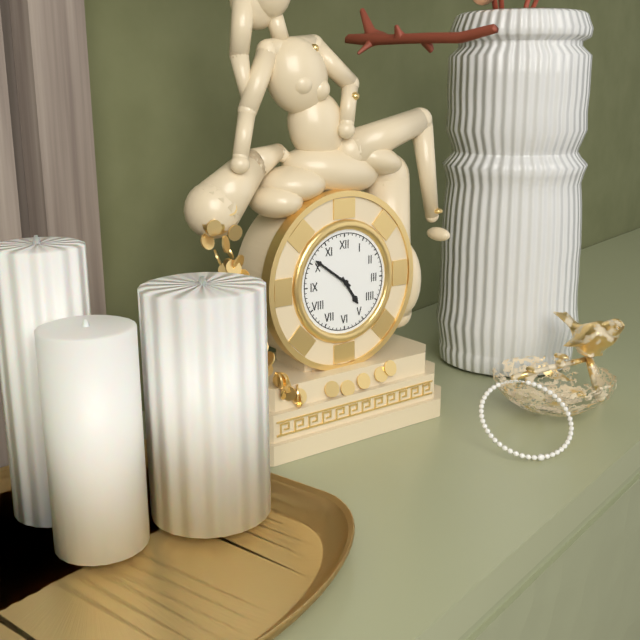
4:51
